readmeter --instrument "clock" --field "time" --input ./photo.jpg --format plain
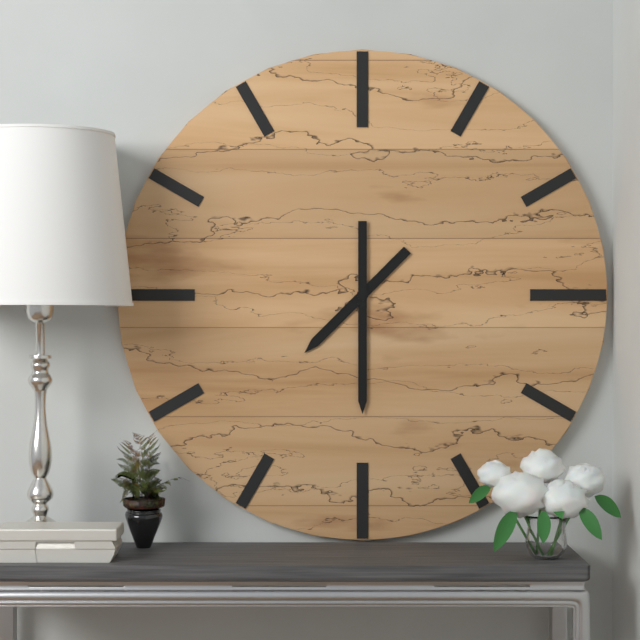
7:30
